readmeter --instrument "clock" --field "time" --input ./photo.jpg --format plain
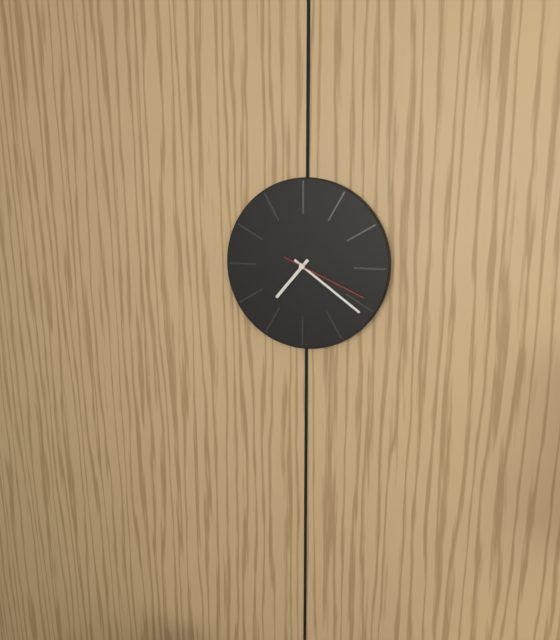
7:21:19
